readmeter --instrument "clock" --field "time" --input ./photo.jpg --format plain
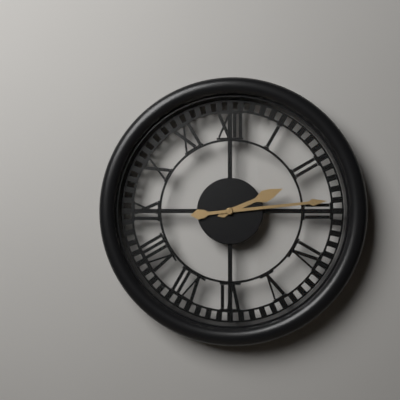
2:14
